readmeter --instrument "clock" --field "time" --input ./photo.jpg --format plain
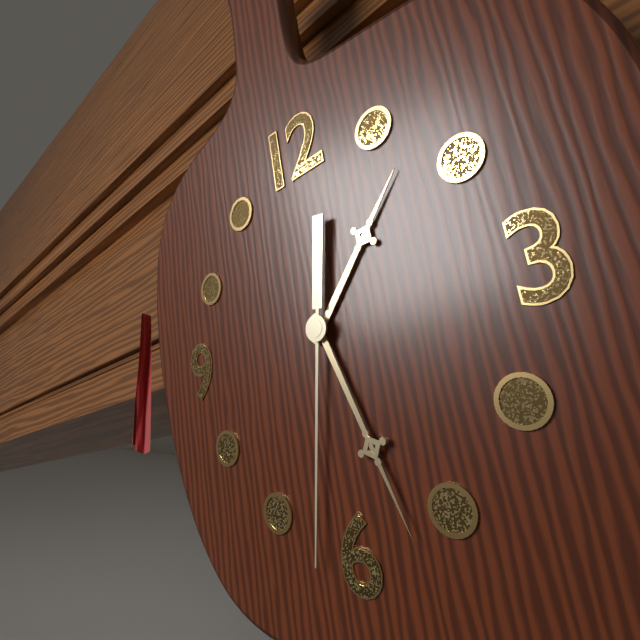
1:27:32
